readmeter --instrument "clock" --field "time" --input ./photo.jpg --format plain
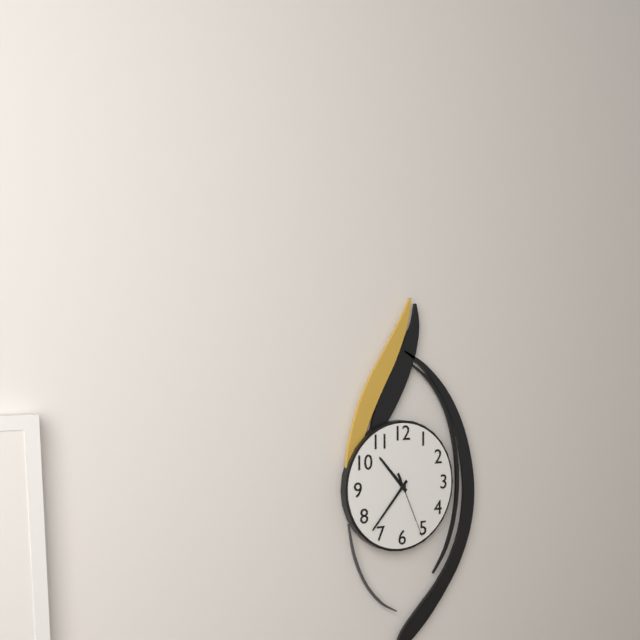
10:37:26
